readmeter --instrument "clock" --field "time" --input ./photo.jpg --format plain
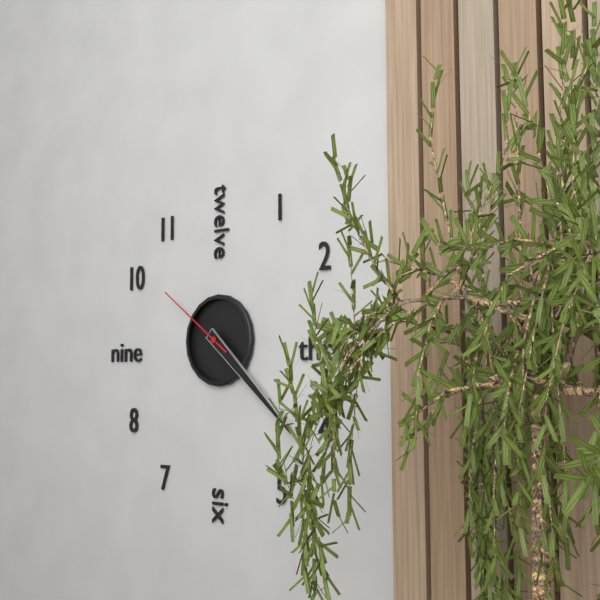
4:22:51
